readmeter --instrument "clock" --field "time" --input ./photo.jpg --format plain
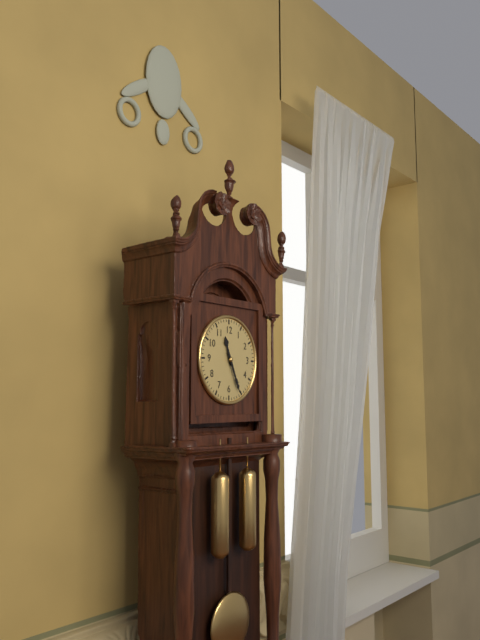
11:26
